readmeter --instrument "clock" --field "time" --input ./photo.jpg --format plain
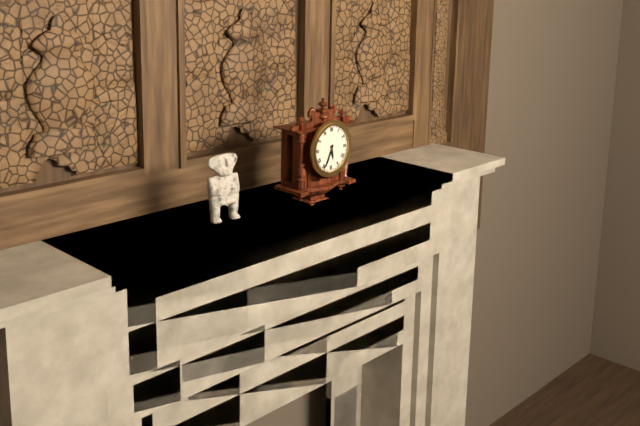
5:34
